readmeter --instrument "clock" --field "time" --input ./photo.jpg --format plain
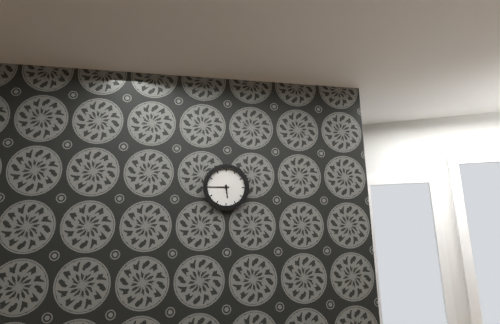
5:45
